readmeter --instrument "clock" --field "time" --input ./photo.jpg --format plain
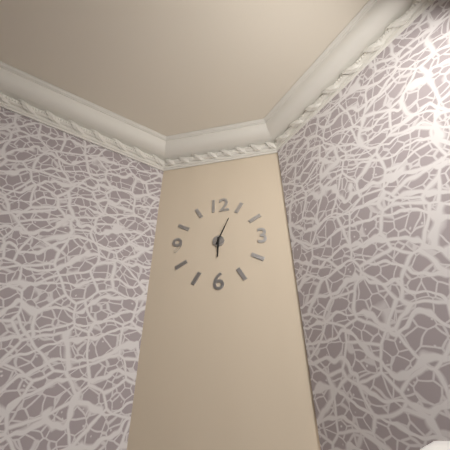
6:04
